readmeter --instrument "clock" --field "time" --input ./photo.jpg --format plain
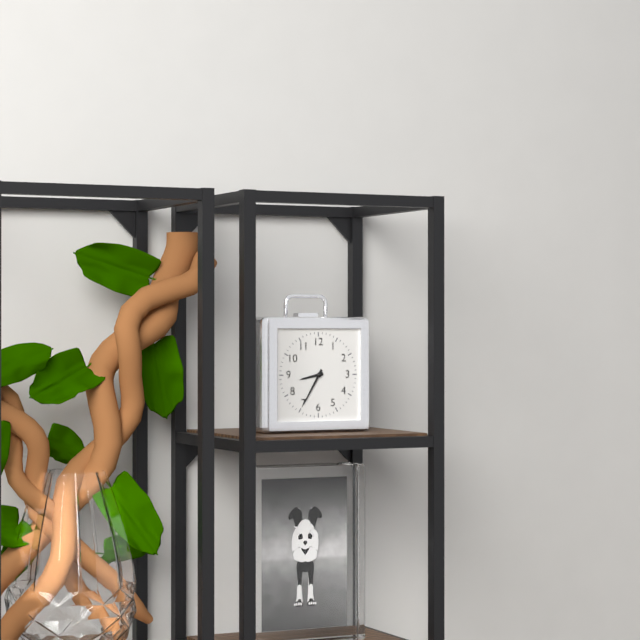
8:35
